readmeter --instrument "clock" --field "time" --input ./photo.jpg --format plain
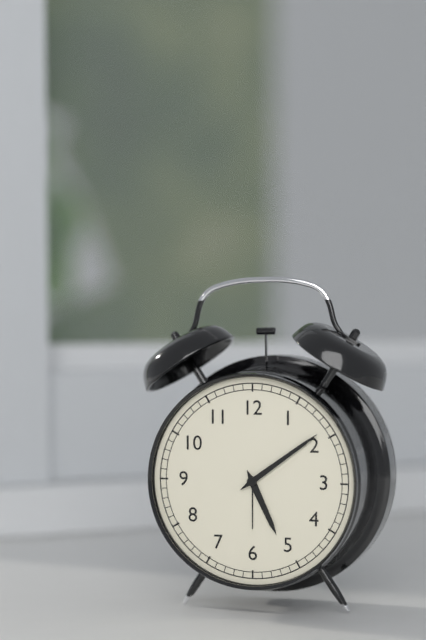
5:09
